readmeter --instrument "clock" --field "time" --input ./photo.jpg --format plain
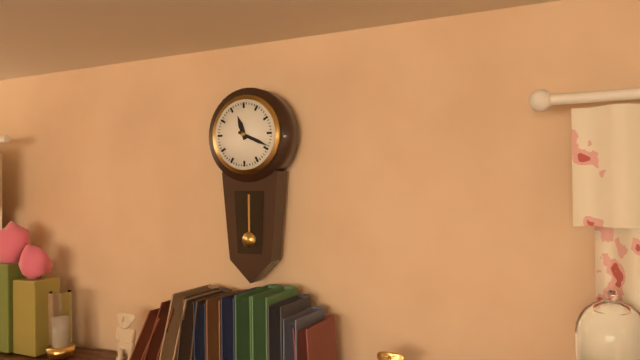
11:19
